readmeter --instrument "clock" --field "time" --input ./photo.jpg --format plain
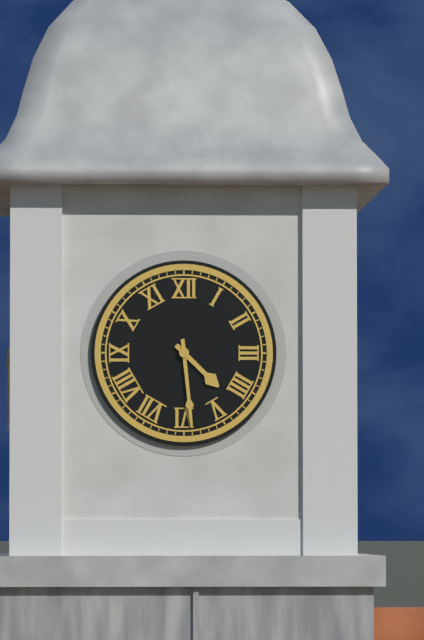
4:29
